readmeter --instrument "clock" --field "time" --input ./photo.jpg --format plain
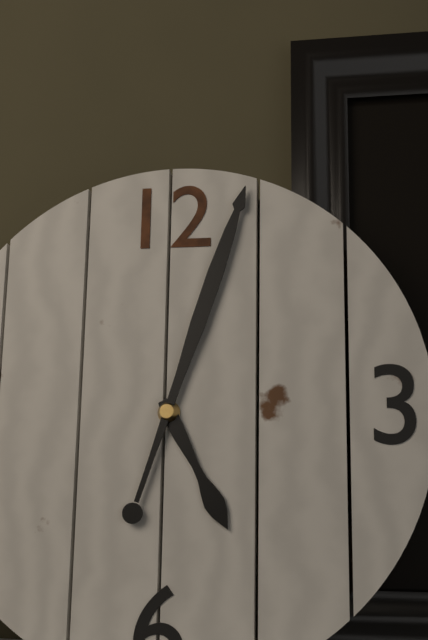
5:03
